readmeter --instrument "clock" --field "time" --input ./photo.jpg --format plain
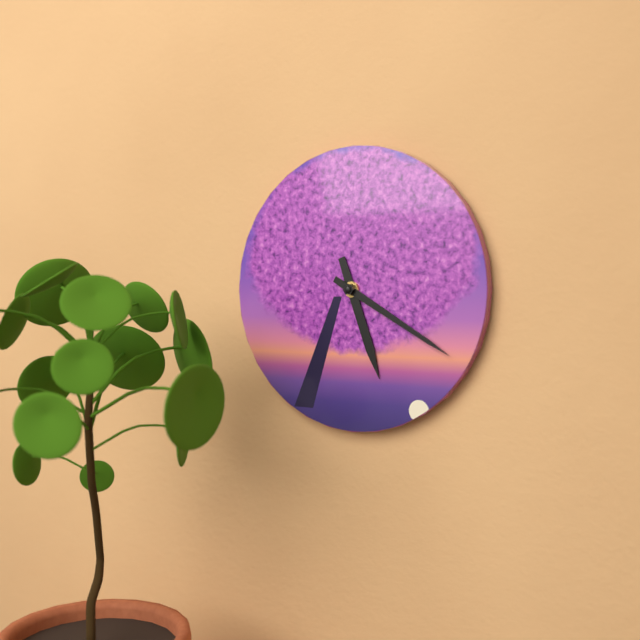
5:20
